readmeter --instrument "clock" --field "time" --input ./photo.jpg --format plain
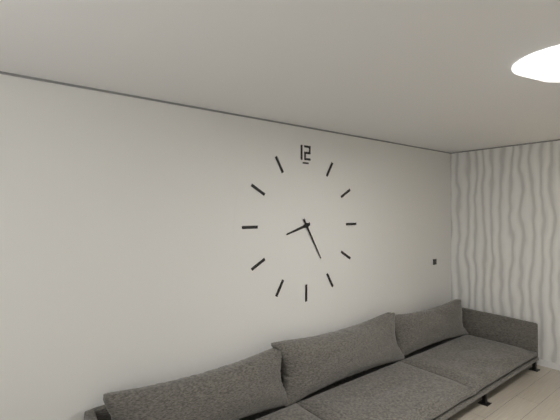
8:25
